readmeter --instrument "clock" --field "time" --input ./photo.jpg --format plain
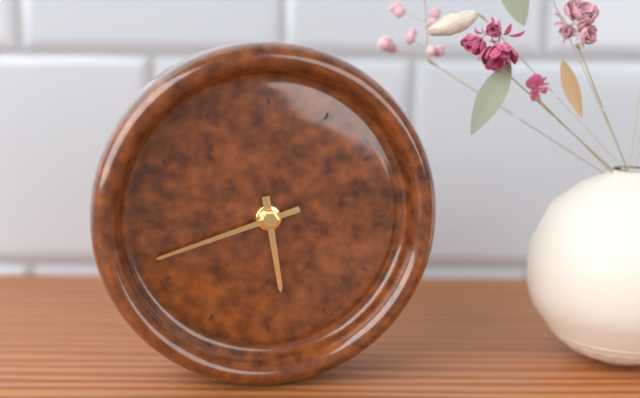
5:42
